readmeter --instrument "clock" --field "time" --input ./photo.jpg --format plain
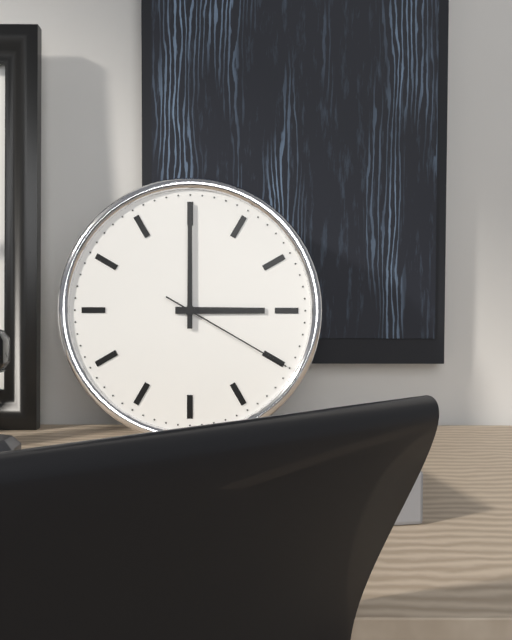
3:00:20
